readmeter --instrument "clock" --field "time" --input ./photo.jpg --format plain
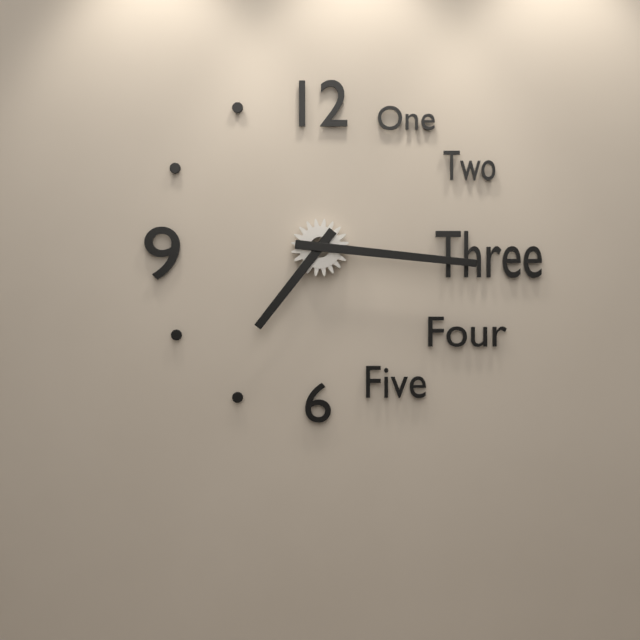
7:16
